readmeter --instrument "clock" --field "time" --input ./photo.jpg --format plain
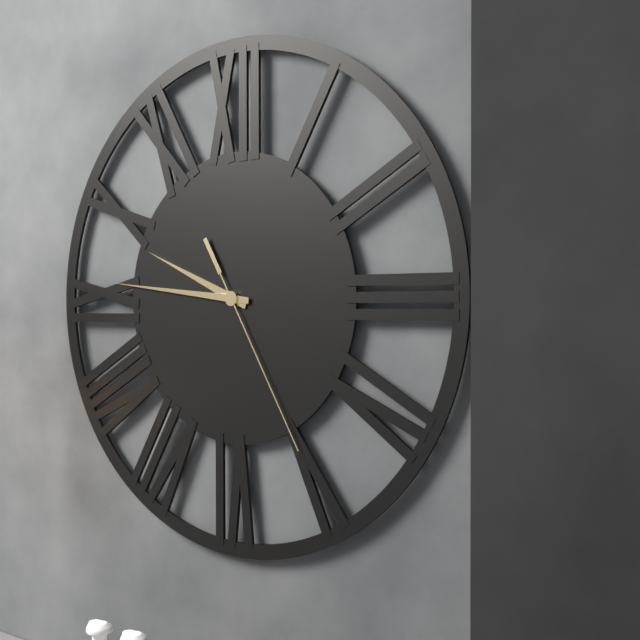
9:46:25
